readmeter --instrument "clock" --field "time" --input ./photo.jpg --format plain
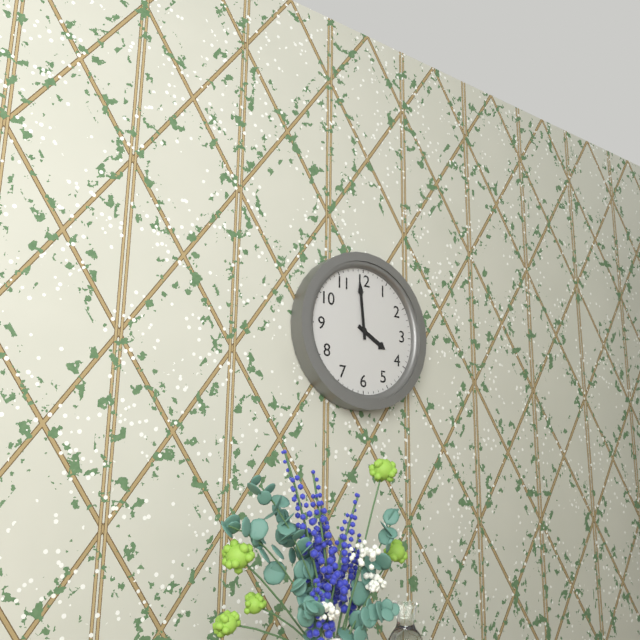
3:59
